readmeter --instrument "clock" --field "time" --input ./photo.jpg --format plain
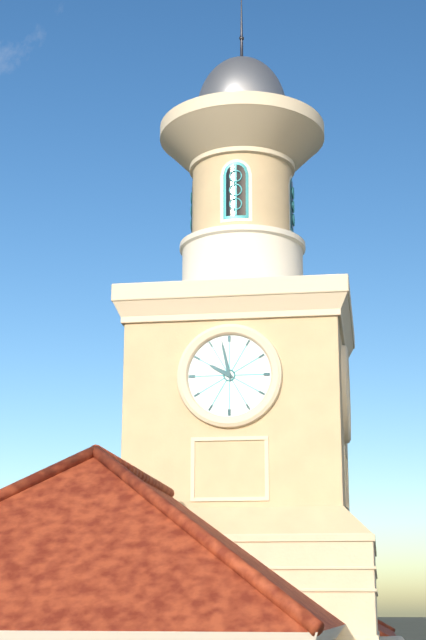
9:58
